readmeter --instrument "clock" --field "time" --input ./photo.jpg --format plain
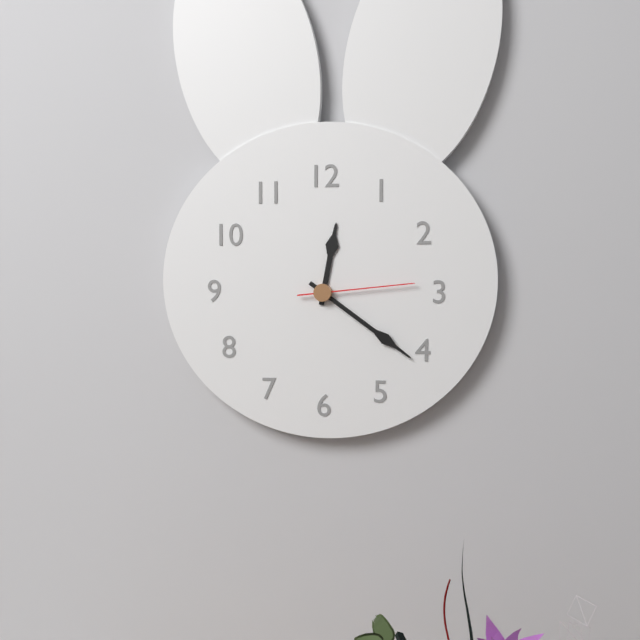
12:21:14
